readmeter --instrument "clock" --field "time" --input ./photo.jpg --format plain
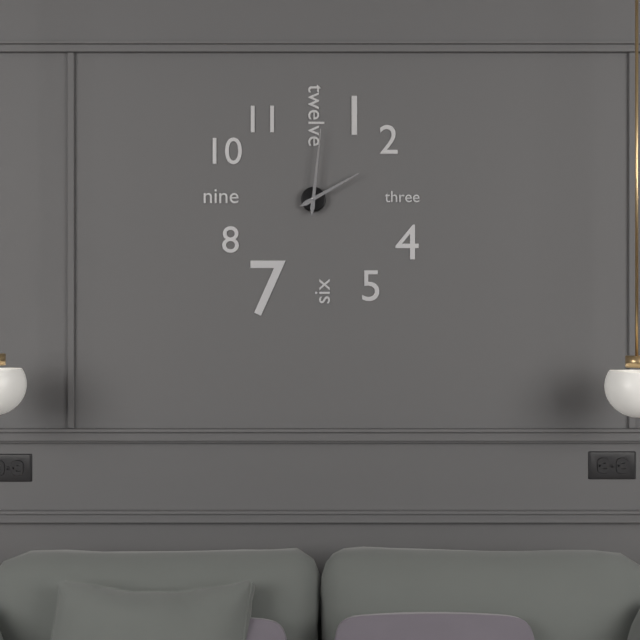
2:01
